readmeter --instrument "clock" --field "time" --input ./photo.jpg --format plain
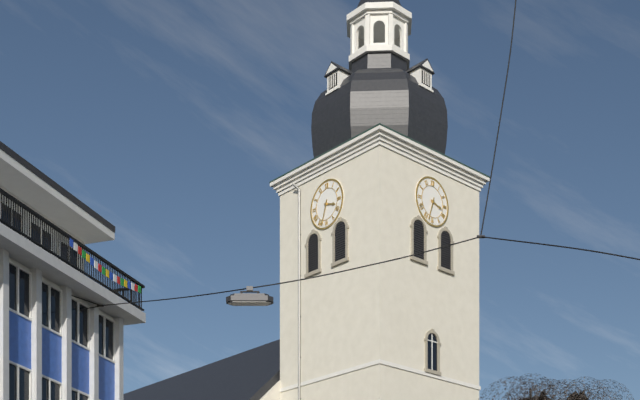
3:33
